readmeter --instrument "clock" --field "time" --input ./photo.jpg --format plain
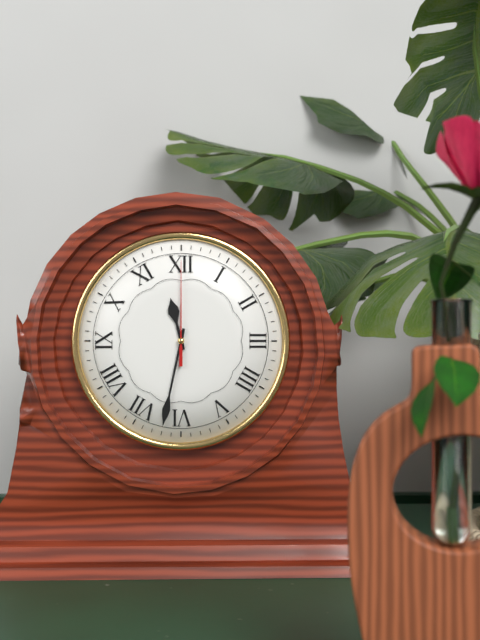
11:32:00
